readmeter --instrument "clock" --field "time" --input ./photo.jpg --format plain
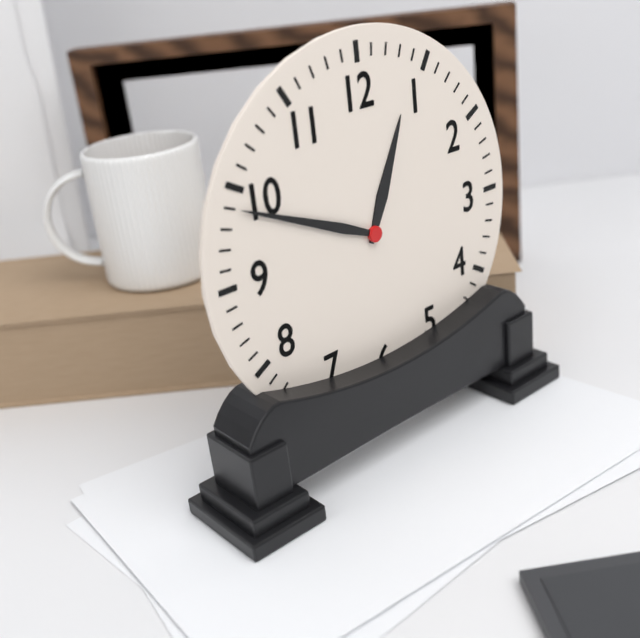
12:49
